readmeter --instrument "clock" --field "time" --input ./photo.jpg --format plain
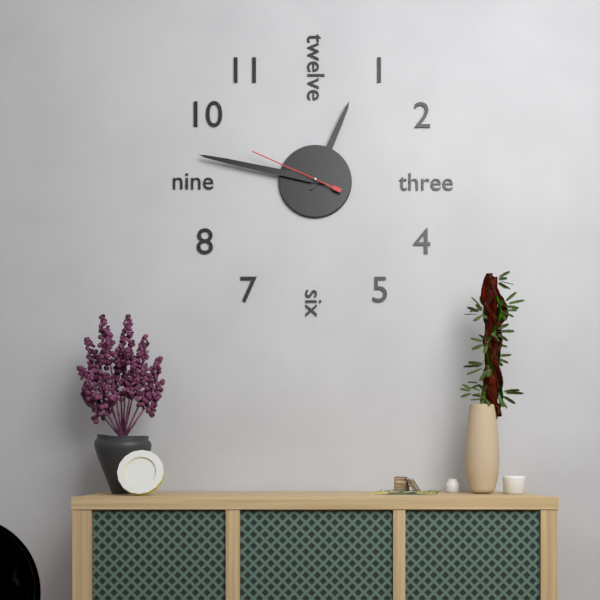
12:47:49
